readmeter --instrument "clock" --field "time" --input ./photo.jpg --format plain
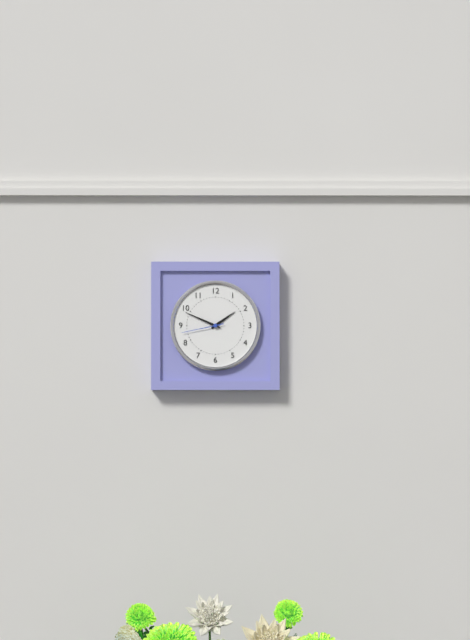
1:49
